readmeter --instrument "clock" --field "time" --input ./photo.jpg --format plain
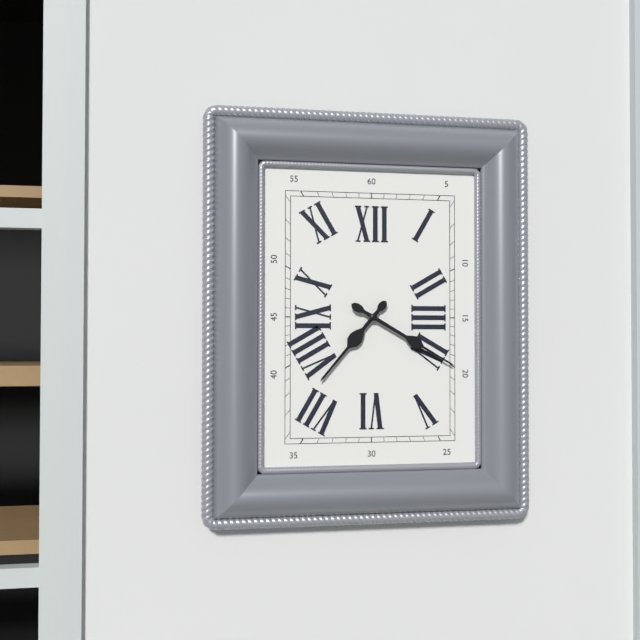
7:20
